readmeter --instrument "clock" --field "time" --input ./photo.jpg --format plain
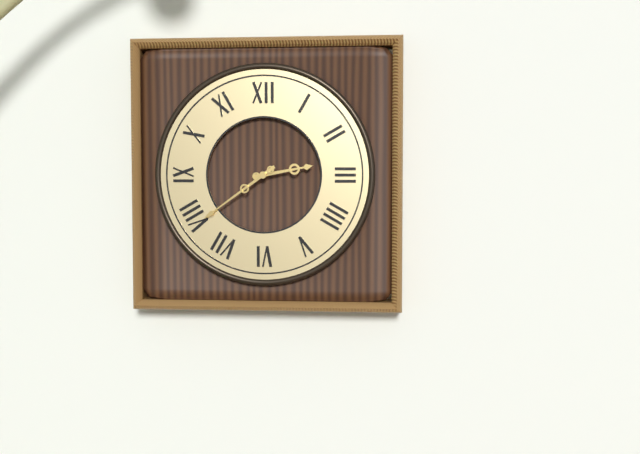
2:39
